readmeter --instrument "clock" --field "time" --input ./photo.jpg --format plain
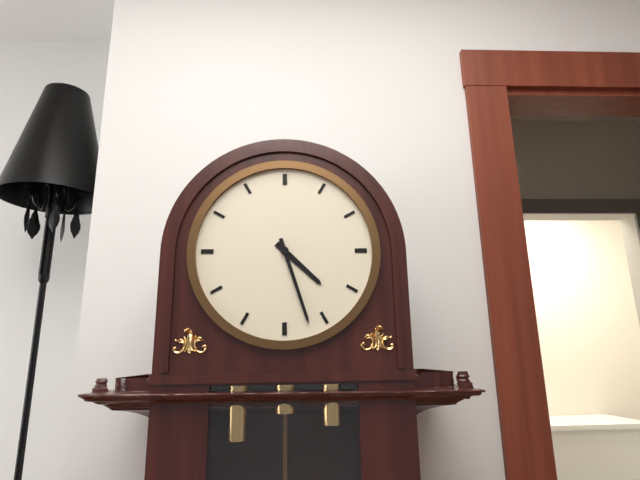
4:27
